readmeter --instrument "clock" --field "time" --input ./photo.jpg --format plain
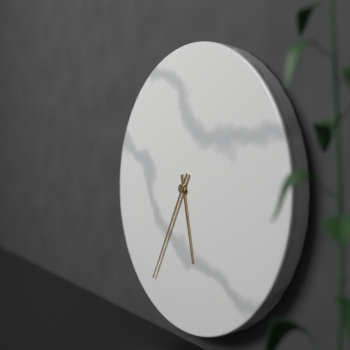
5:35
